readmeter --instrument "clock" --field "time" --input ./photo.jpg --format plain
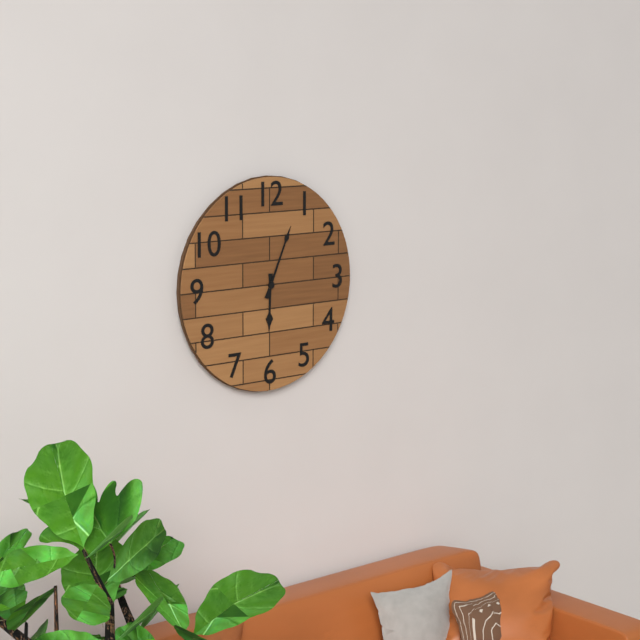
6:04
